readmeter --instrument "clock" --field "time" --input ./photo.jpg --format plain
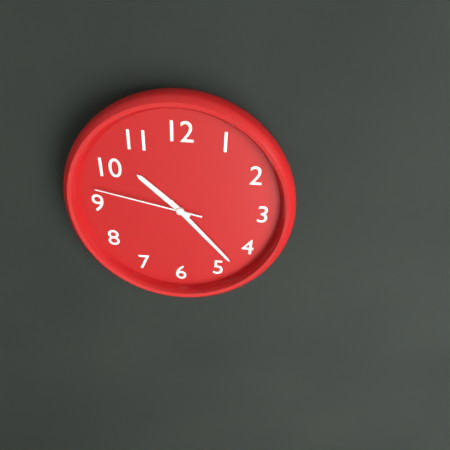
10:23:47
